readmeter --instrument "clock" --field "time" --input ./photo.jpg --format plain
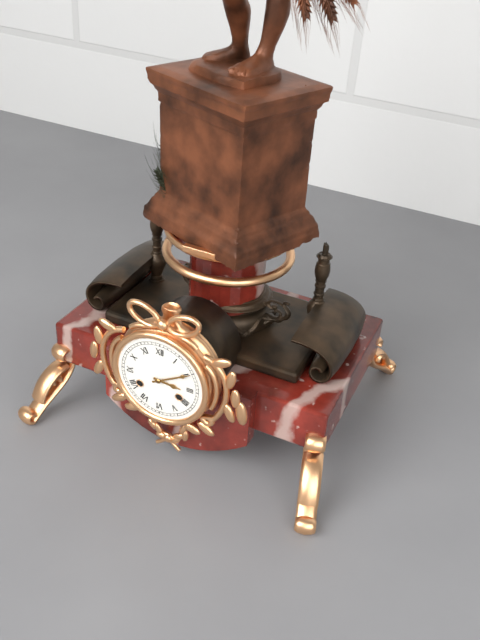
3:10
